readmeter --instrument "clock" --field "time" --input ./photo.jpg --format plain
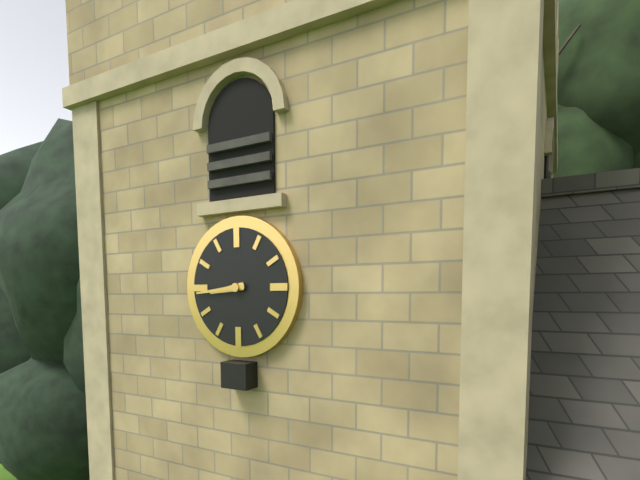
8:44
